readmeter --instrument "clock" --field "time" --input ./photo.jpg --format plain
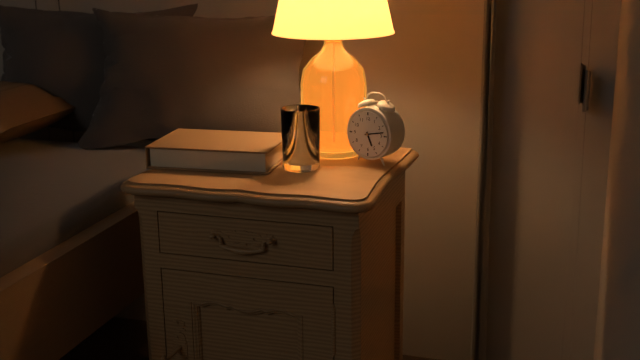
5:13
